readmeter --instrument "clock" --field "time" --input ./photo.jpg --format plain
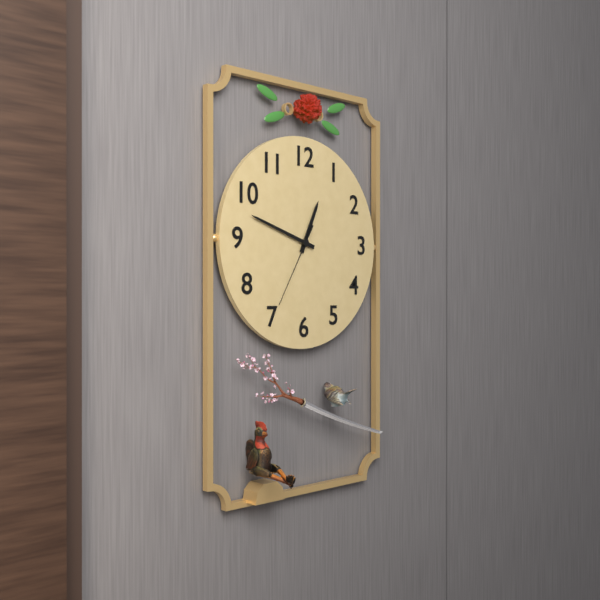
12:48:35
